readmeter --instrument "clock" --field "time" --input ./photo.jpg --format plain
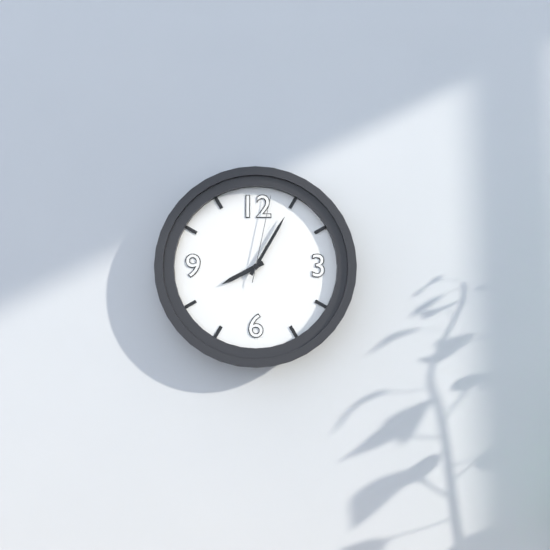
8:05:02
